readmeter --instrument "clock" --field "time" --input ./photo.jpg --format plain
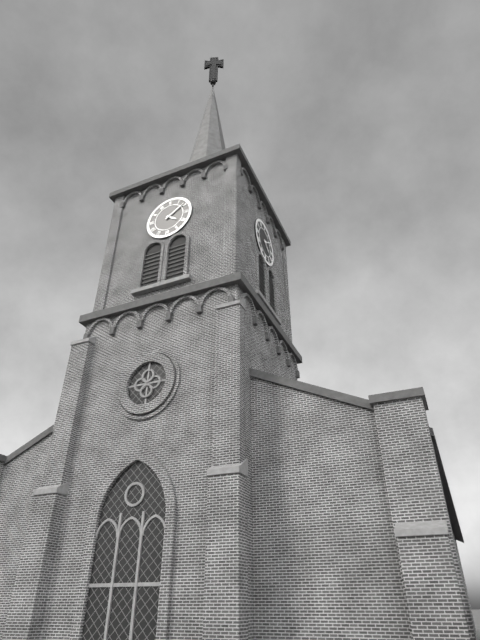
4:09
